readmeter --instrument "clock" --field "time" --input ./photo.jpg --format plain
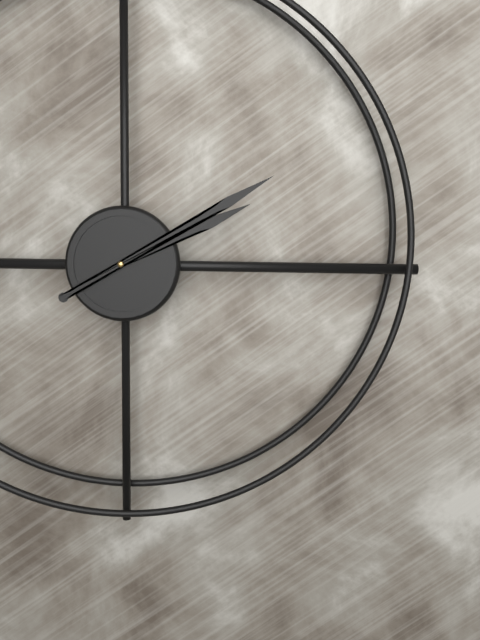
2:10
